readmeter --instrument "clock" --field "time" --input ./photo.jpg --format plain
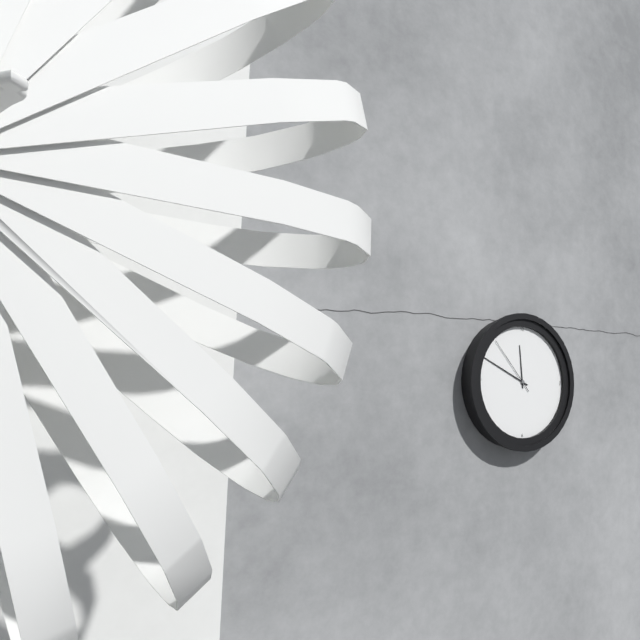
11:49:53
